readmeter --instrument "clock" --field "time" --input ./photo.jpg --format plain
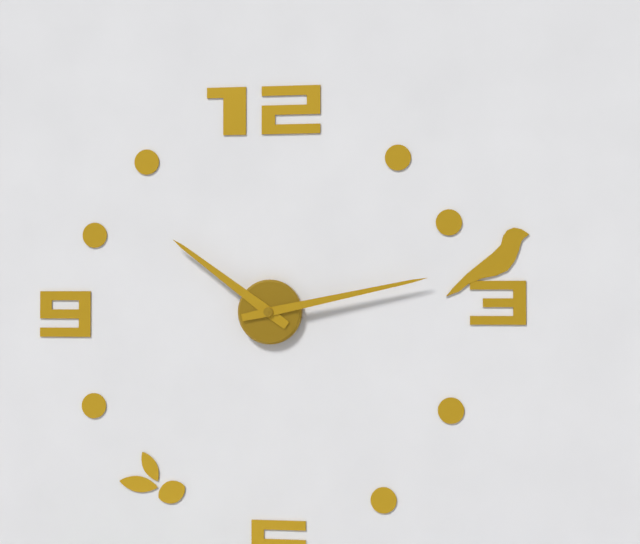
10:13
